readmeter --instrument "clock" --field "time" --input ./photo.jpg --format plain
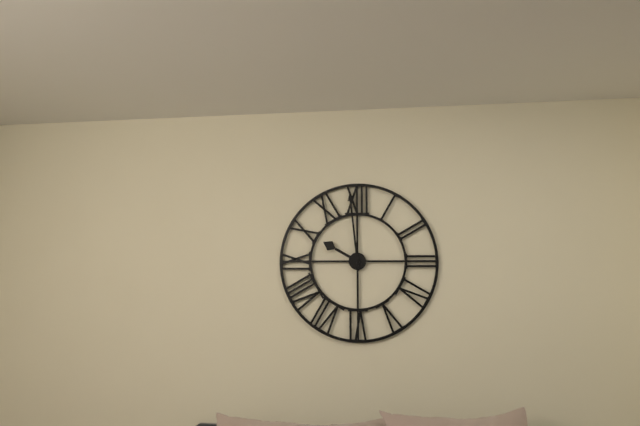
9:59
